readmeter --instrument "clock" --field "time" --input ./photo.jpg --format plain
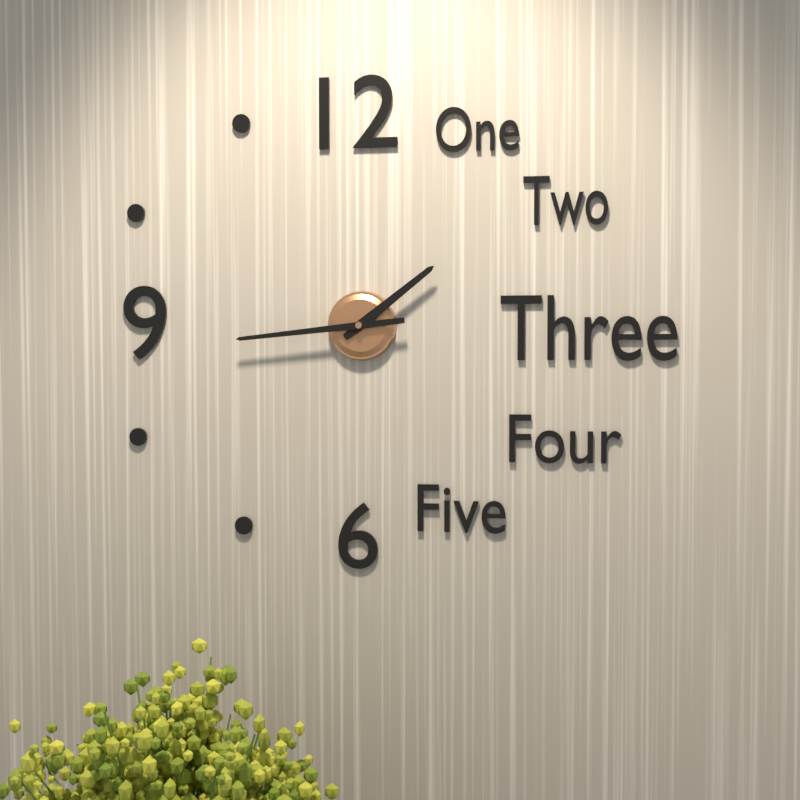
1:44
